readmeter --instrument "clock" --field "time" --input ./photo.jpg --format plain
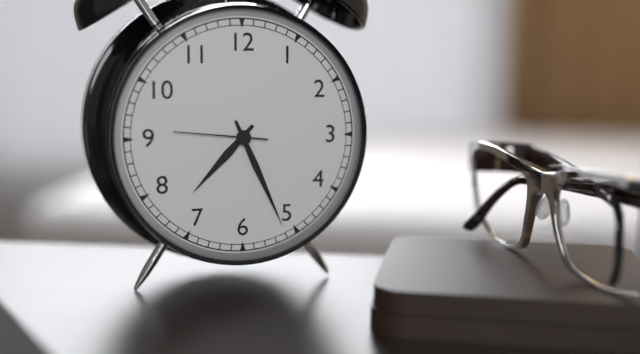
7:26:46
